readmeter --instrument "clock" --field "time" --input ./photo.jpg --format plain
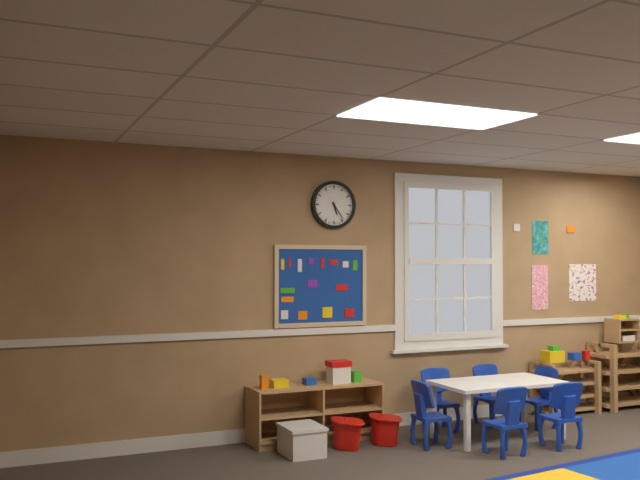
5:24
